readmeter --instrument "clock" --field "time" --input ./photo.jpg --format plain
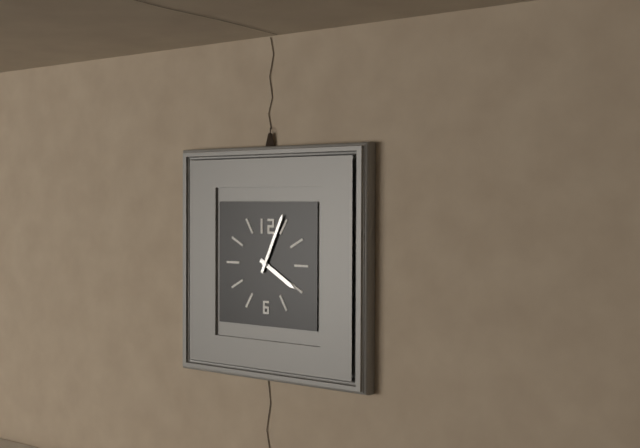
4:04
